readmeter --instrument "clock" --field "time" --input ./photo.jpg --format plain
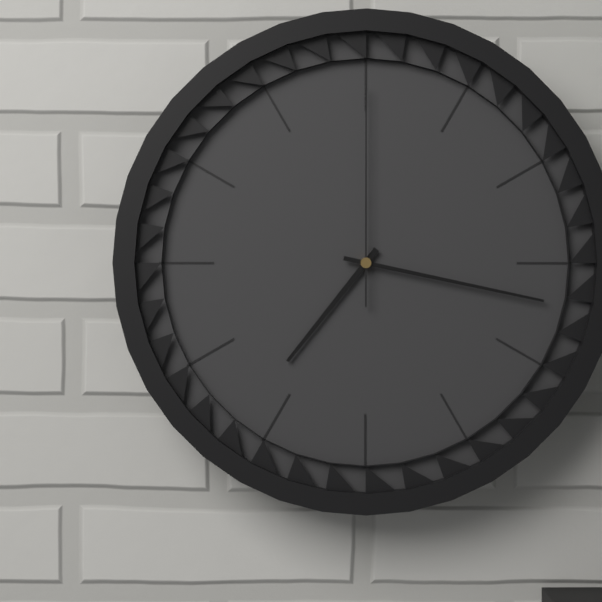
7:17:00
